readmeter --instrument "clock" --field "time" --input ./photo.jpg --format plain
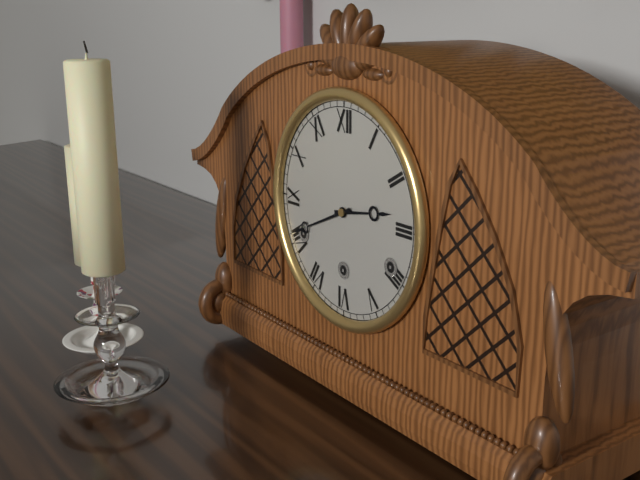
2:41
